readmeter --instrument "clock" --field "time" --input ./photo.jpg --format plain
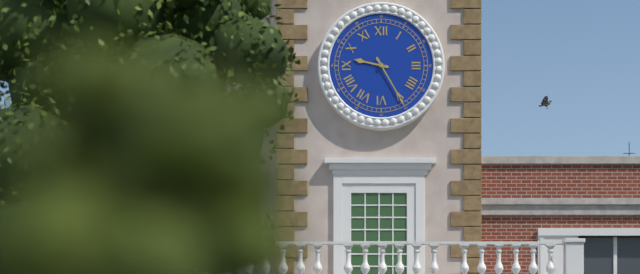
9:25
